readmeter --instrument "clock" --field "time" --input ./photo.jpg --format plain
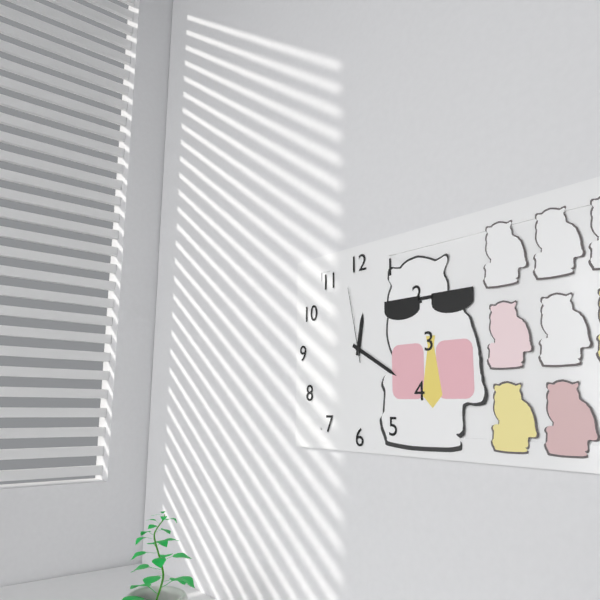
12:20:58
